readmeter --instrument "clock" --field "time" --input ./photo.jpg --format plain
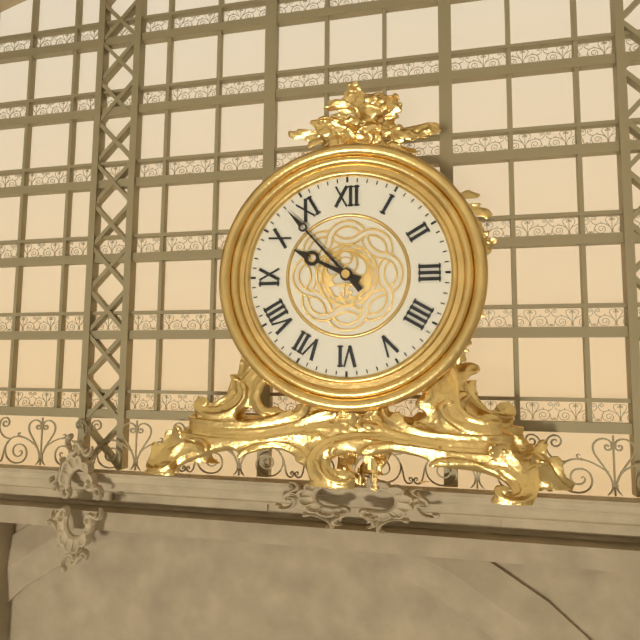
9:53
